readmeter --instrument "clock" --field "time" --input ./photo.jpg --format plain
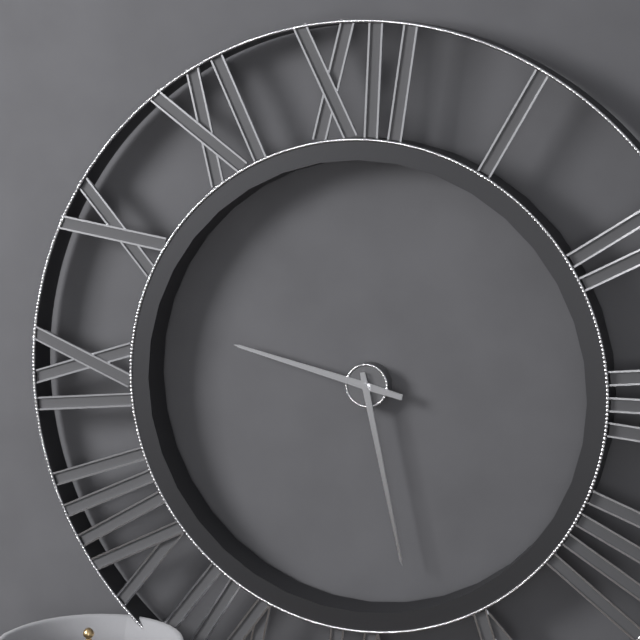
9:28
